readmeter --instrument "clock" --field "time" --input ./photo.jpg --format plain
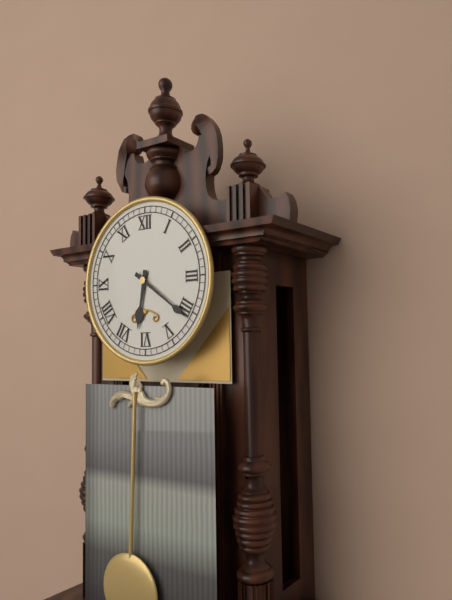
6:21
